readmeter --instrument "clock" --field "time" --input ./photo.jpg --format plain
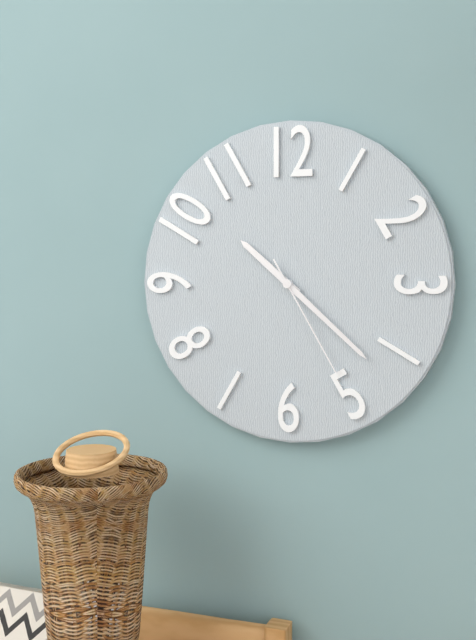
10:22:25
